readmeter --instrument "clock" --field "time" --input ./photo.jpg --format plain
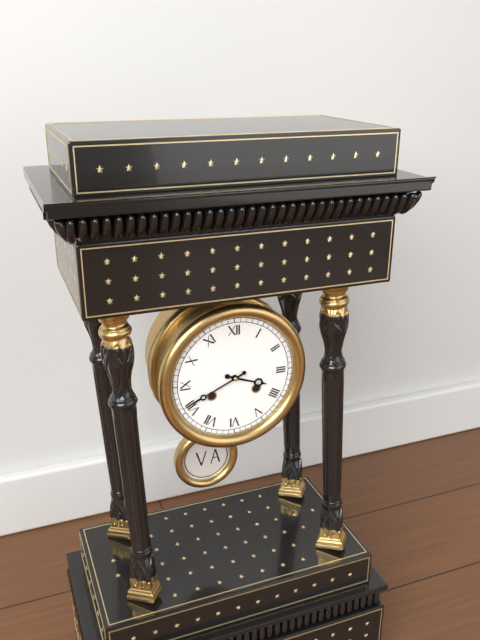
3:41
